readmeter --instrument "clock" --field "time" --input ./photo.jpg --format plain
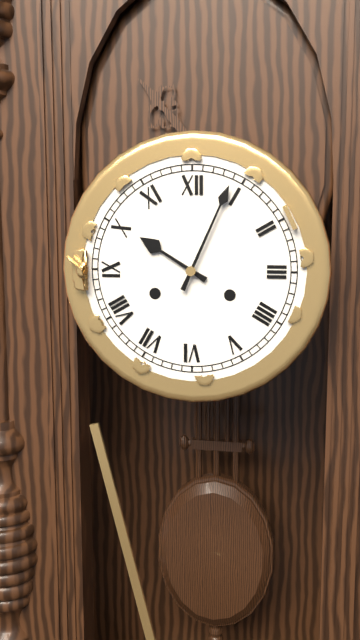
10:04
